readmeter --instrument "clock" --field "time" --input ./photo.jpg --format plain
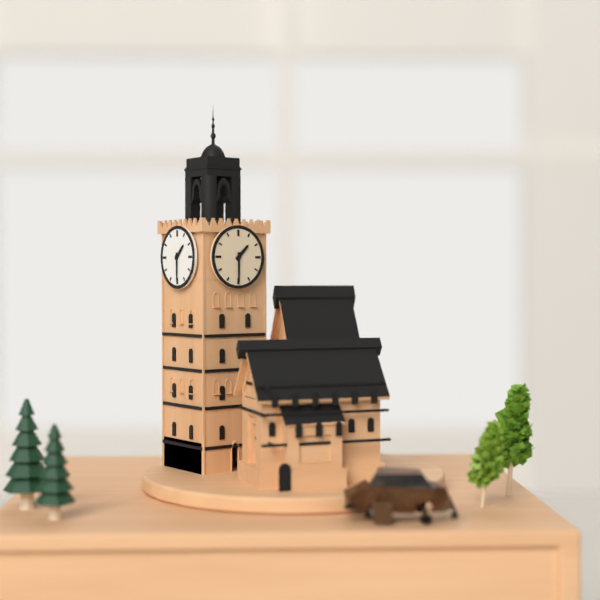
1:30
